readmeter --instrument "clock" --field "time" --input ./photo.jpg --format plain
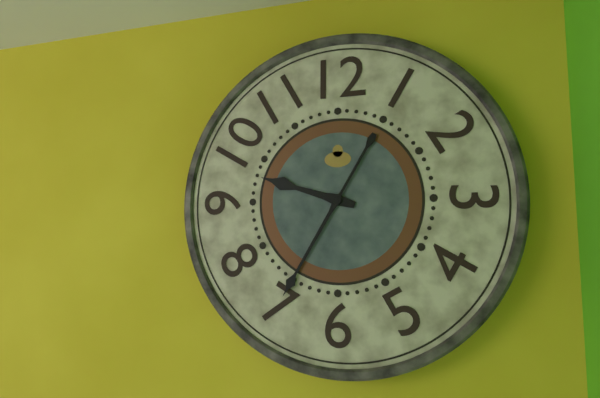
9:35
